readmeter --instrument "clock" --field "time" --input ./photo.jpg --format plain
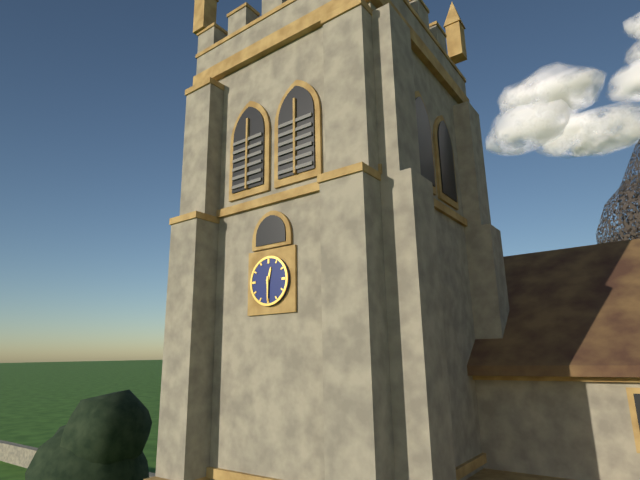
12:30
